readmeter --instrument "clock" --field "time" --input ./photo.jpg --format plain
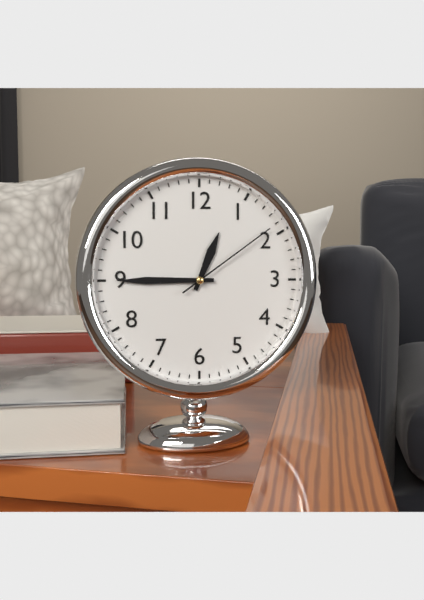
12:45:09
